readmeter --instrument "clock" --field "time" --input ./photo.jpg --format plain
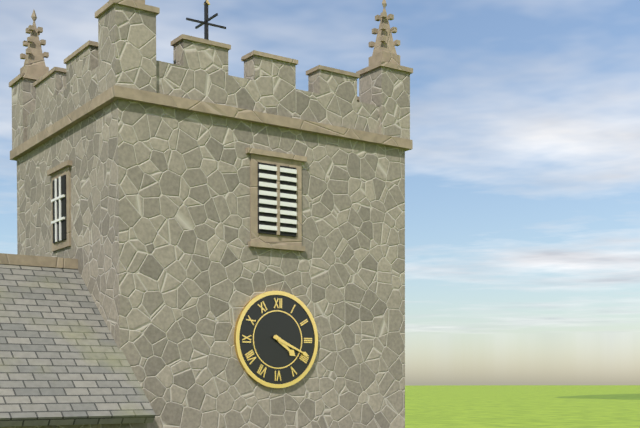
4:19
